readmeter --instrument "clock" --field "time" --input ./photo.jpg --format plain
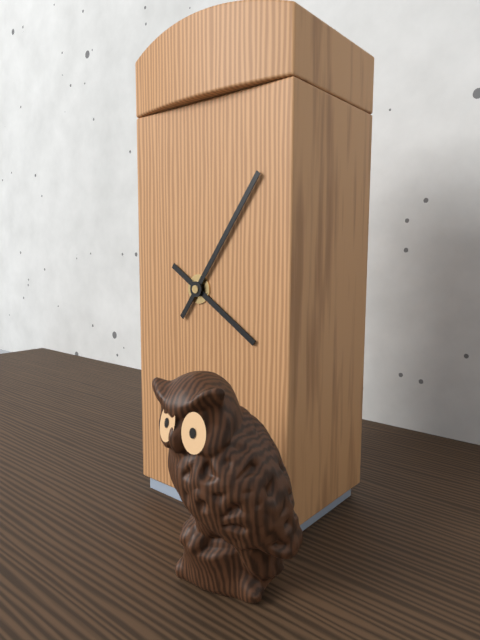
4:06
